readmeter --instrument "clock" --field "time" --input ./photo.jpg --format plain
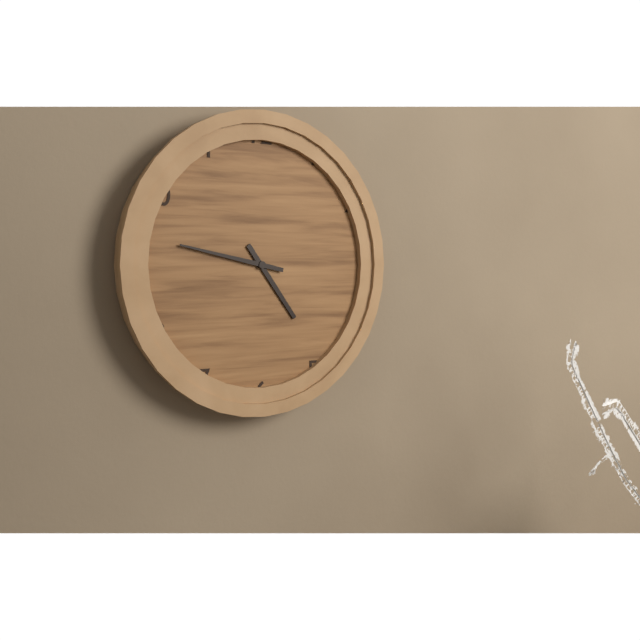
4:47
